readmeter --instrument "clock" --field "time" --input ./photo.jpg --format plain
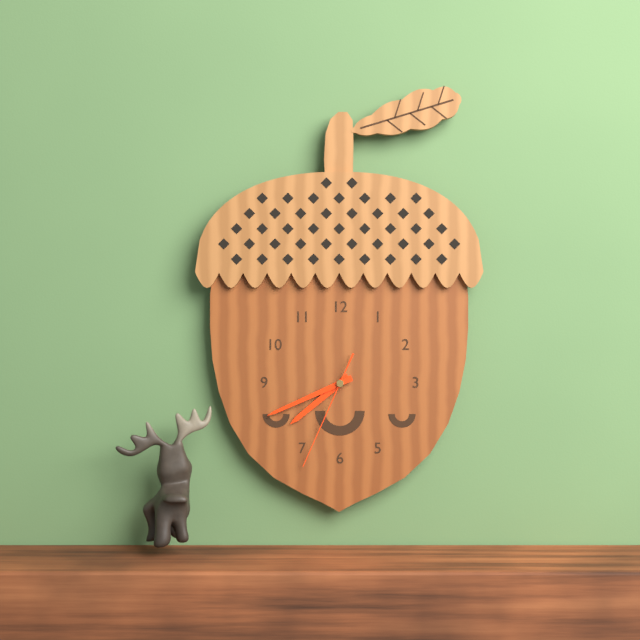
7:41:34
